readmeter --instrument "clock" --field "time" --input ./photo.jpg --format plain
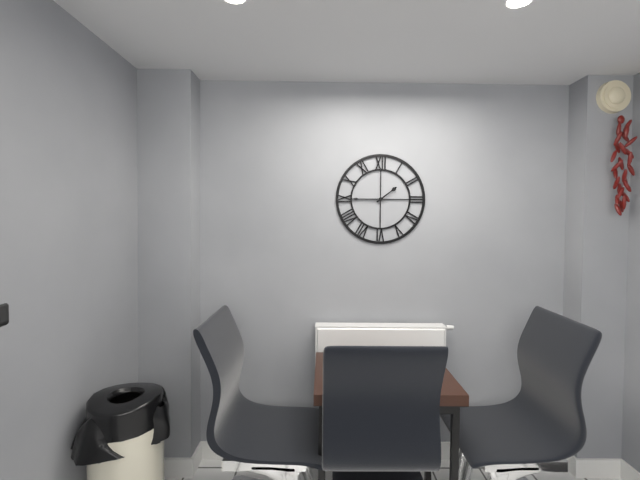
1:45
